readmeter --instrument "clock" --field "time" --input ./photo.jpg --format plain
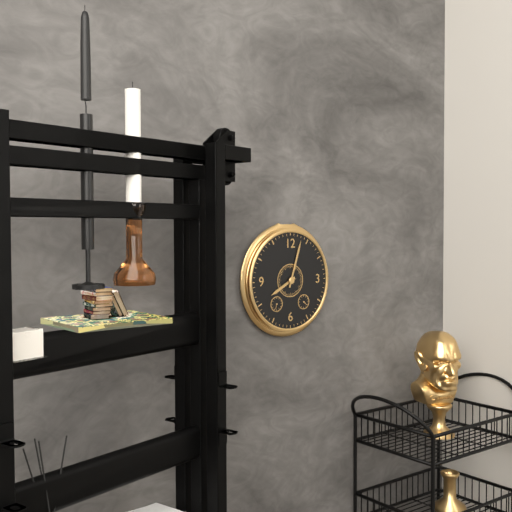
8:03
